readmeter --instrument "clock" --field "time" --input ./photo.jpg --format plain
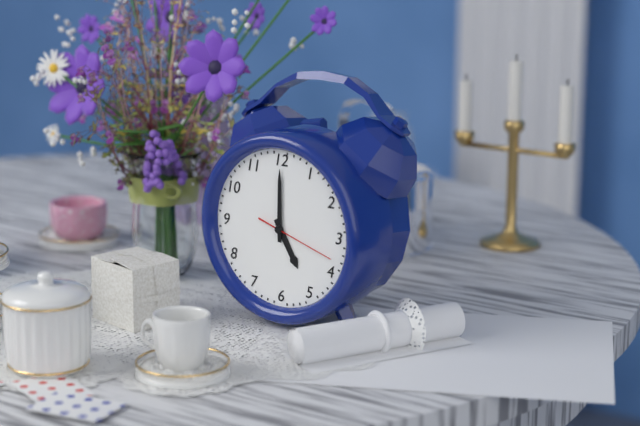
5:00:18
